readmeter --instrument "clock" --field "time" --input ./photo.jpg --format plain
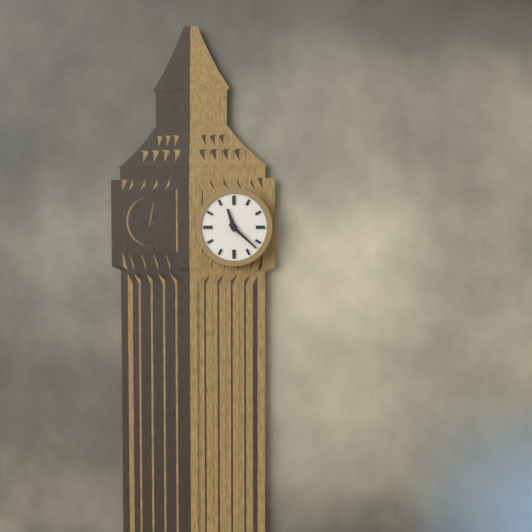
11:22
